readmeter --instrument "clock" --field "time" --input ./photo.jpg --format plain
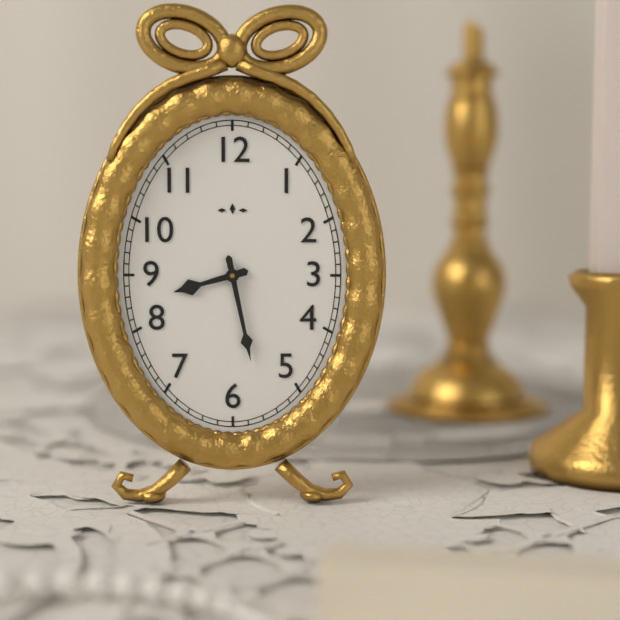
8:28
